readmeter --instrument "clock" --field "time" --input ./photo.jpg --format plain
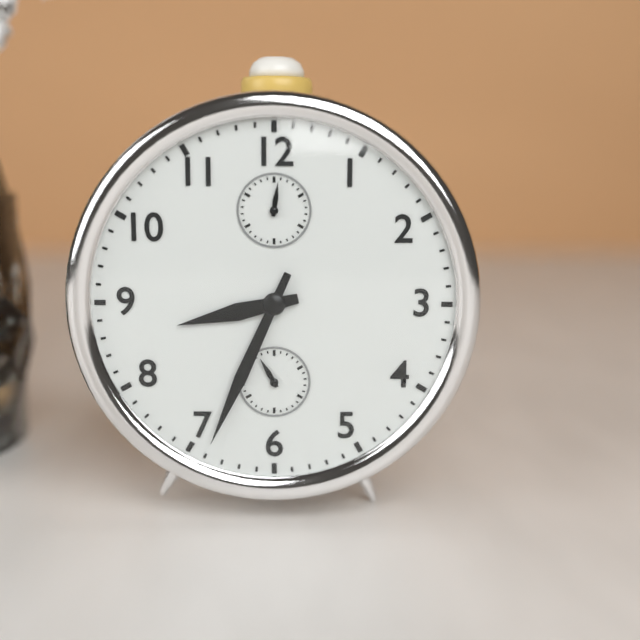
8:34
